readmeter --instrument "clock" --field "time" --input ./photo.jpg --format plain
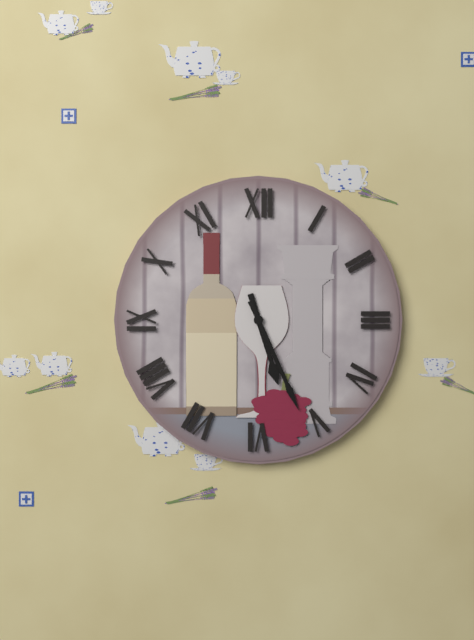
5:26
